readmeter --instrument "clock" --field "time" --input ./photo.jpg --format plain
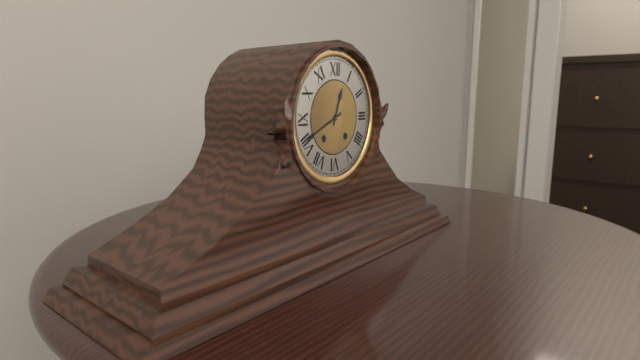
12:41
